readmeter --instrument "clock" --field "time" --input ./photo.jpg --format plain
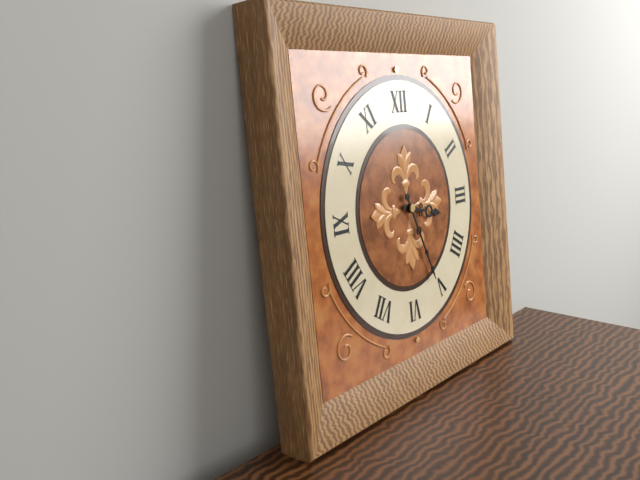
3:26
